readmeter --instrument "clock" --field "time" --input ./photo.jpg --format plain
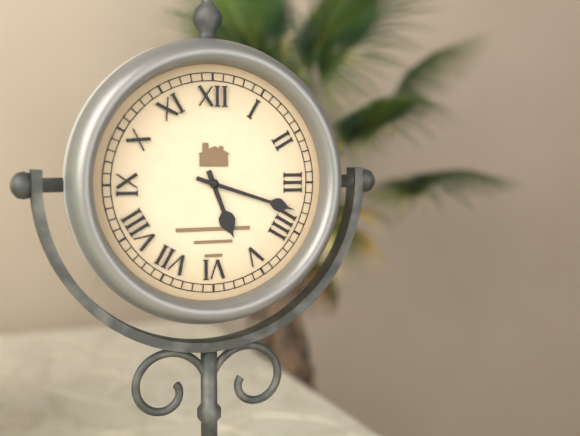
5:18
